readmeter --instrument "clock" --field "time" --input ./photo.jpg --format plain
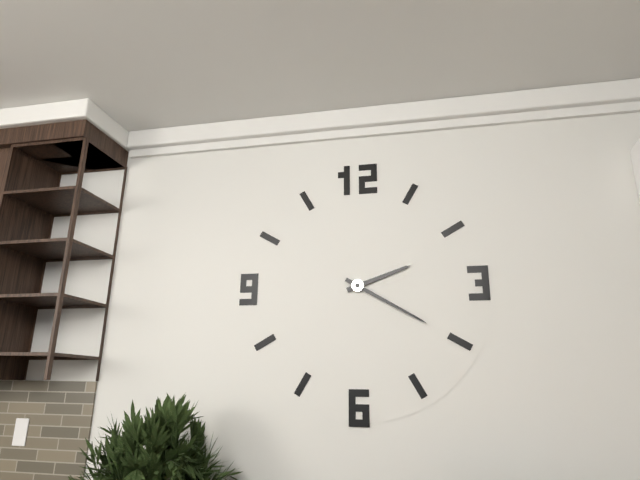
2:20
